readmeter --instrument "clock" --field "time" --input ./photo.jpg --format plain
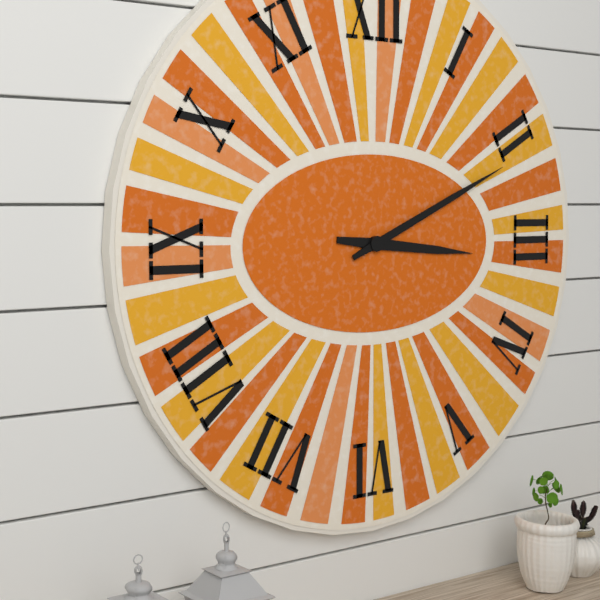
3:11
